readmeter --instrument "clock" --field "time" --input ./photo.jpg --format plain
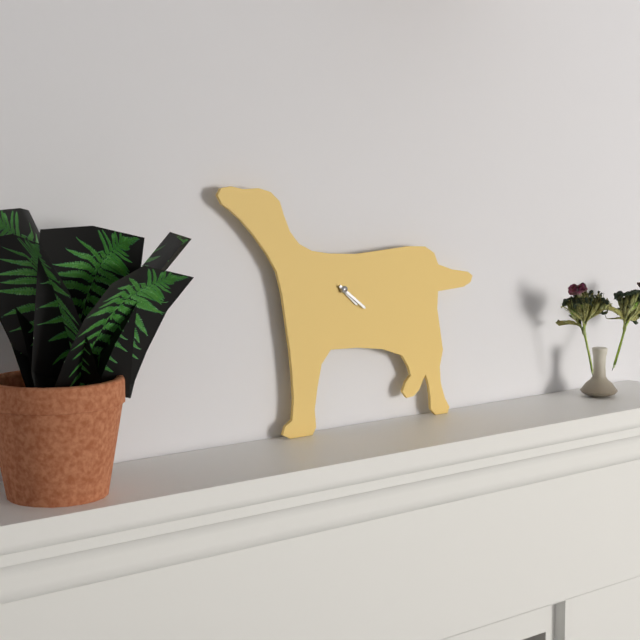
4:21
